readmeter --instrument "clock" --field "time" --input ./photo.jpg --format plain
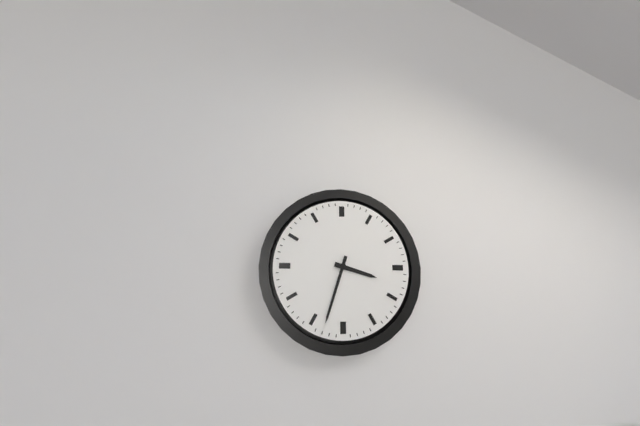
3:33
